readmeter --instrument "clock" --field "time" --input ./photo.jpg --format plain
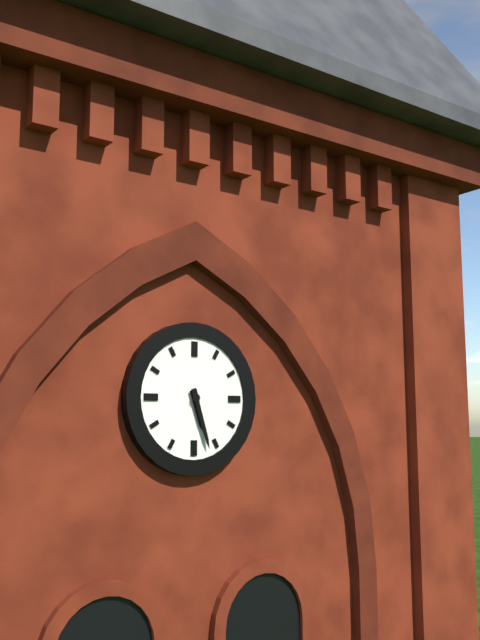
5:27
